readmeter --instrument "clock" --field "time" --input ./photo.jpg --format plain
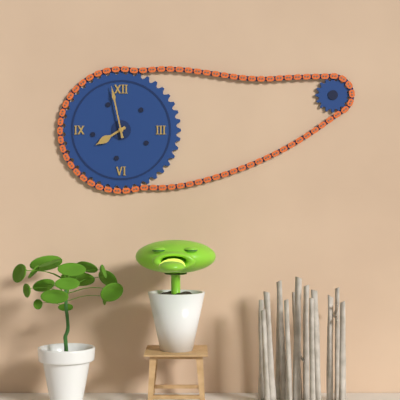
7:58
